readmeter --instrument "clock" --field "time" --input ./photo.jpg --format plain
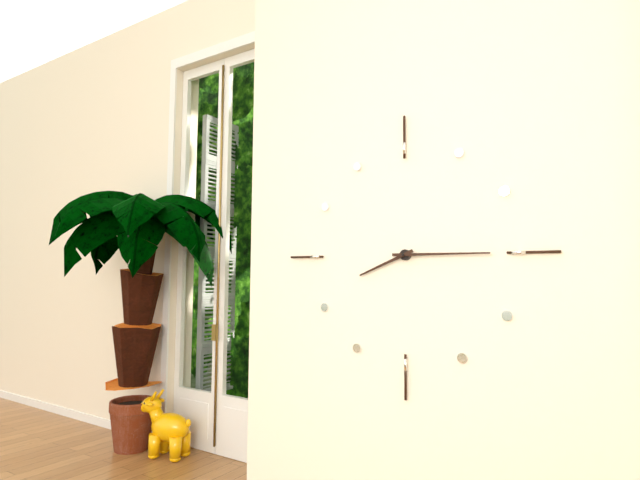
8:15
